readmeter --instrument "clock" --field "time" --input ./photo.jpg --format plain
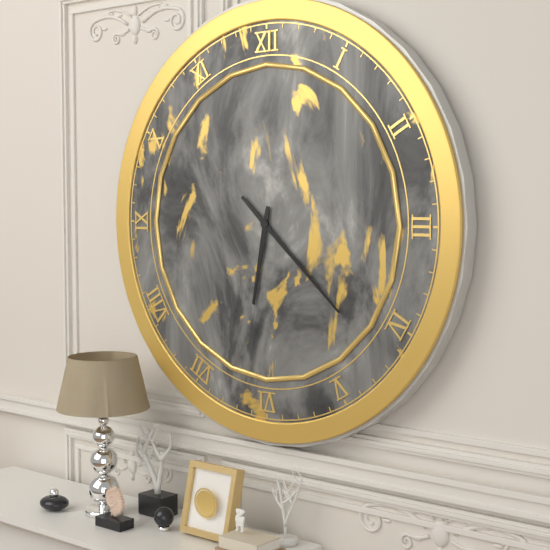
6:22
